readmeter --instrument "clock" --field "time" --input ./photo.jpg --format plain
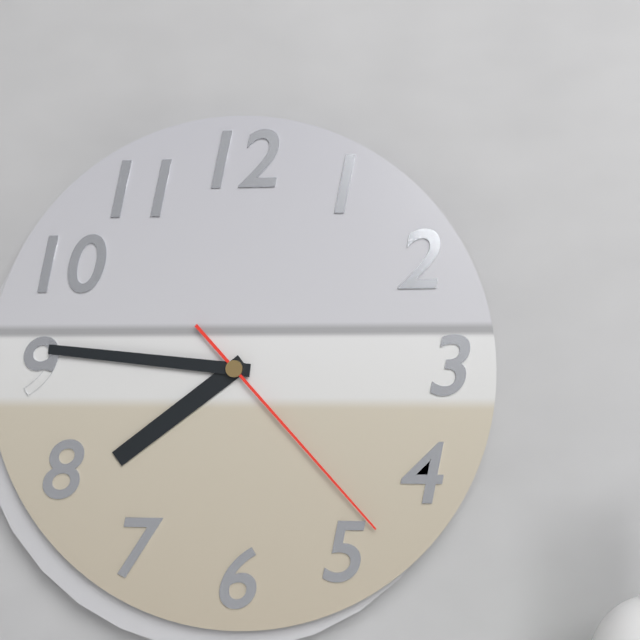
7:46:23
